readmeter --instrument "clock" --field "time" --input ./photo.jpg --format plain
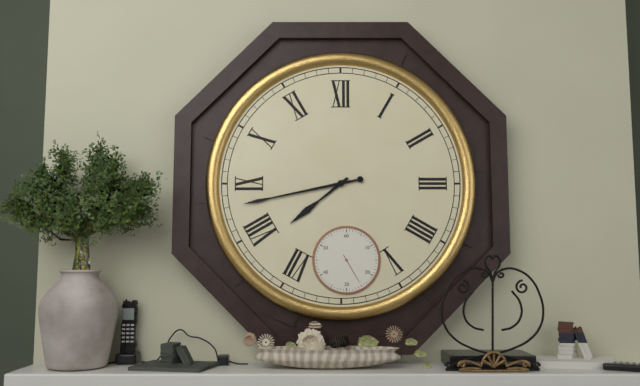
7:43
